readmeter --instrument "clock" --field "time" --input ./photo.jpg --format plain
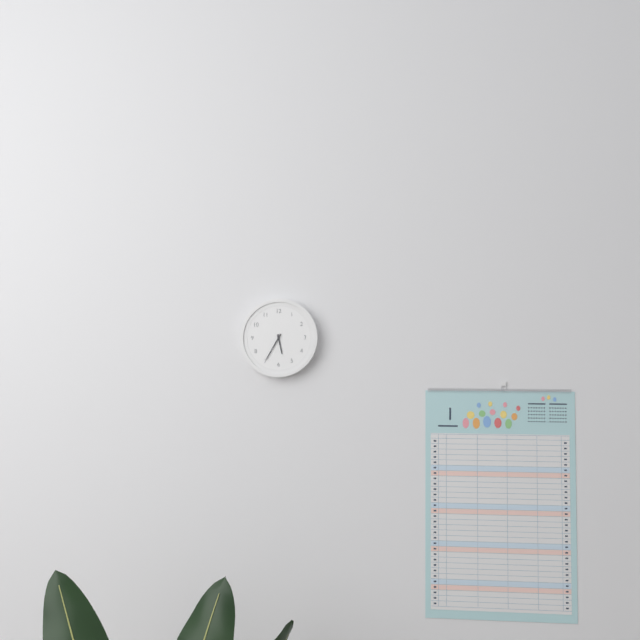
5:35
